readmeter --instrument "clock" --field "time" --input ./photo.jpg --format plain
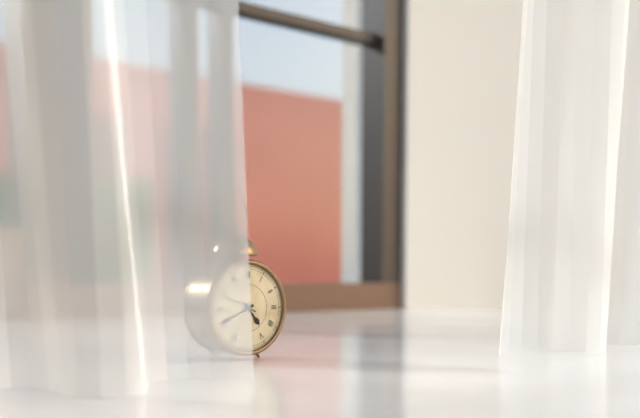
4:41
